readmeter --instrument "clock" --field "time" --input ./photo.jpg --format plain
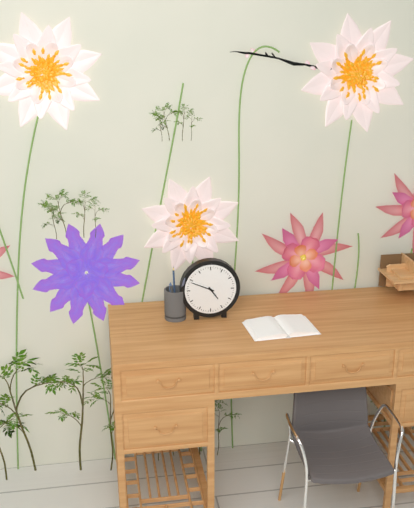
4:49
